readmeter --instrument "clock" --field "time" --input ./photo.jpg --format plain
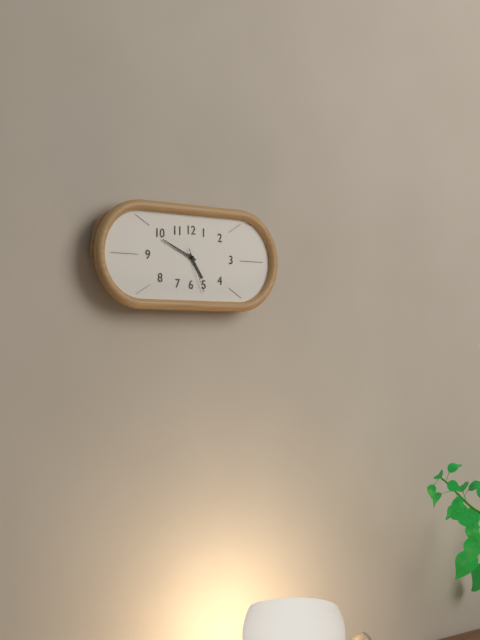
4:49
